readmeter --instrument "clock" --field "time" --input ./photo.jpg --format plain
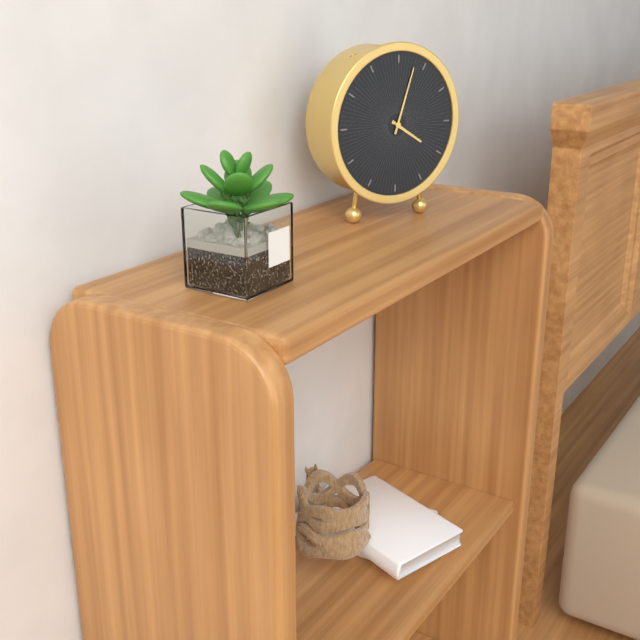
4:03
